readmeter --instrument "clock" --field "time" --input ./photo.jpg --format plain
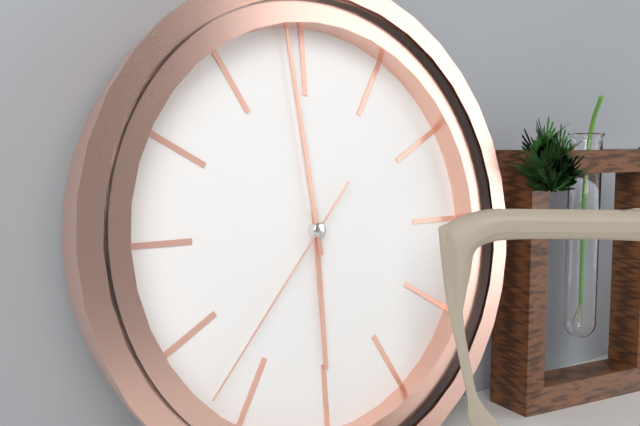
5:59:37
